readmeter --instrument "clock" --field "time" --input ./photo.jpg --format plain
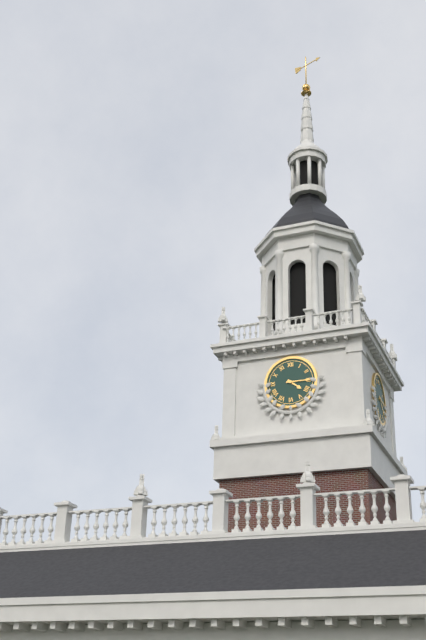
4:15
